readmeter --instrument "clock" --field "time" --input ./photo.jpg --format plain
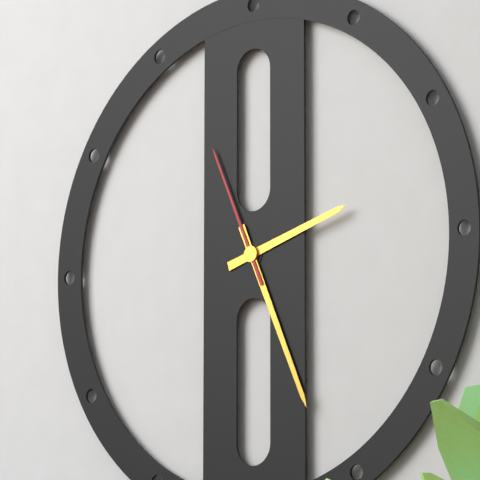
2:26:56
